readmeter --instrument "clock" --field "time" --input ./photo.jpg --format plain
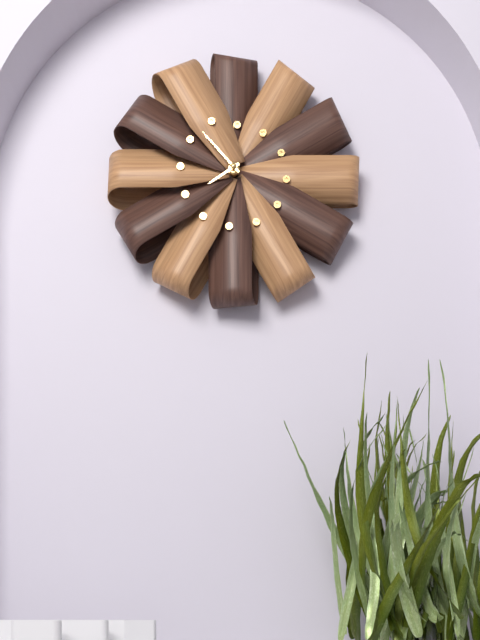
7:53
